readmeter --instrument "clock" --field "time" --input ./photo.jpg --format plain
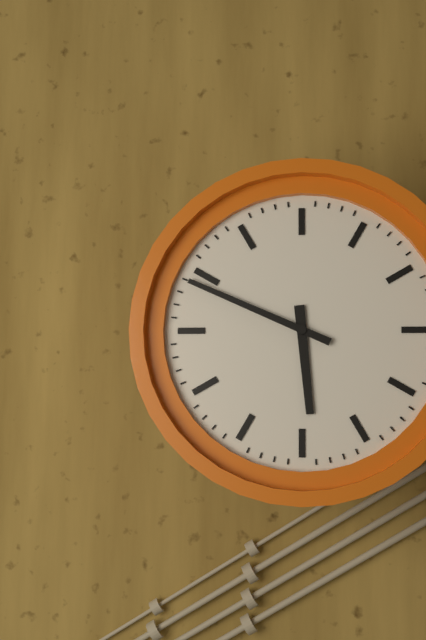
5:49
